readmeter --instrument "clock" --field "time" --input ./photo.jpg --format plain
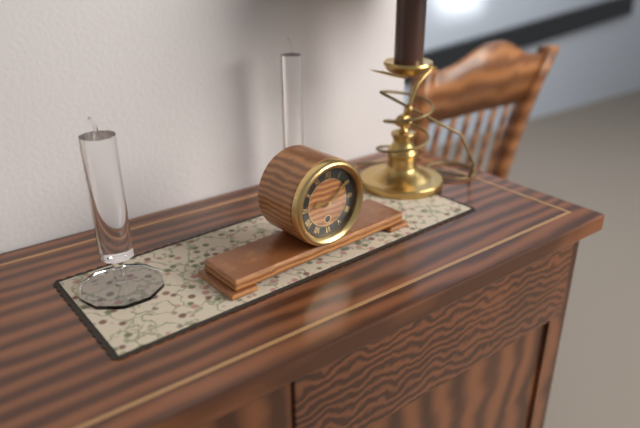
9:09
